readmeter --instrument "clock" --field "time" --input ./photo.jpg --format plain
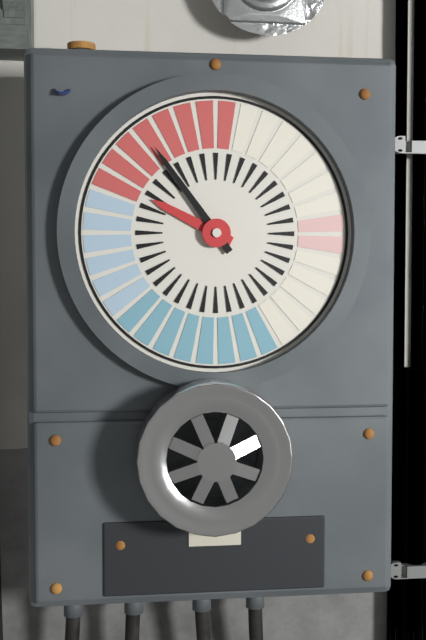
9:54
